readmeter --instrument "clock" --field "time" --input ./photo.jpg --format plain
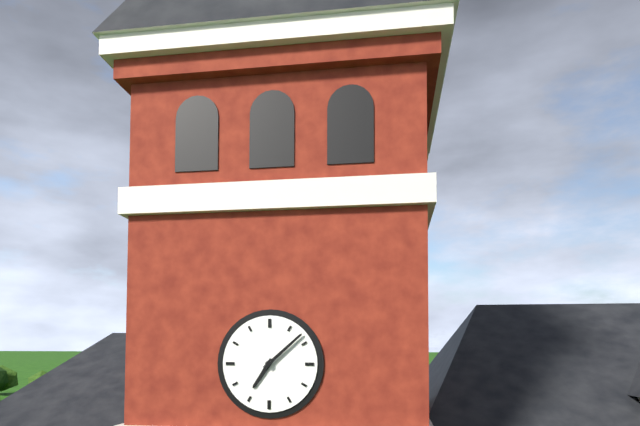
7:08
